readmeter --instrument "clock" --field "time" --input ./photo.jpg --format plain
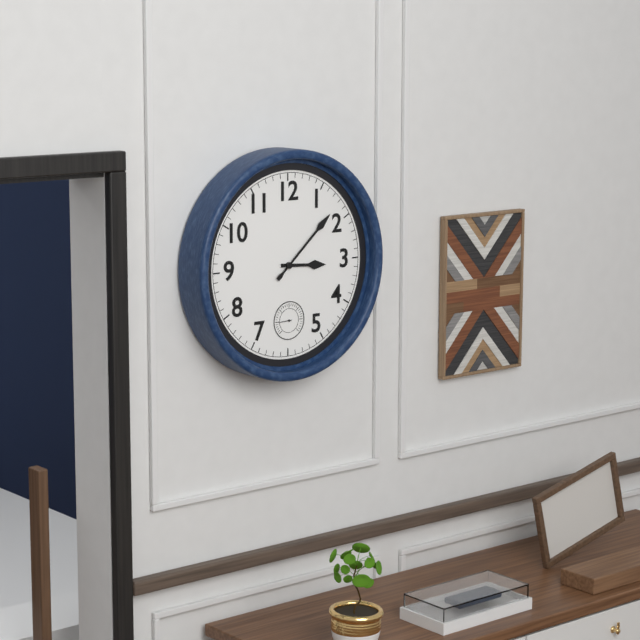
3:08
